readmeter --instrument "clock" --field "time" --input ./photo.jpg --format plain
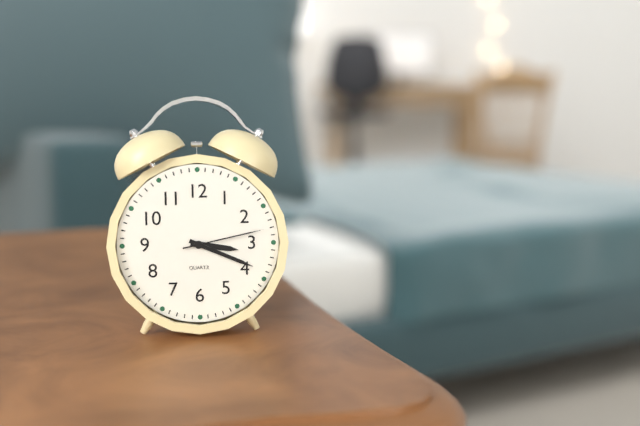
3:19:13
